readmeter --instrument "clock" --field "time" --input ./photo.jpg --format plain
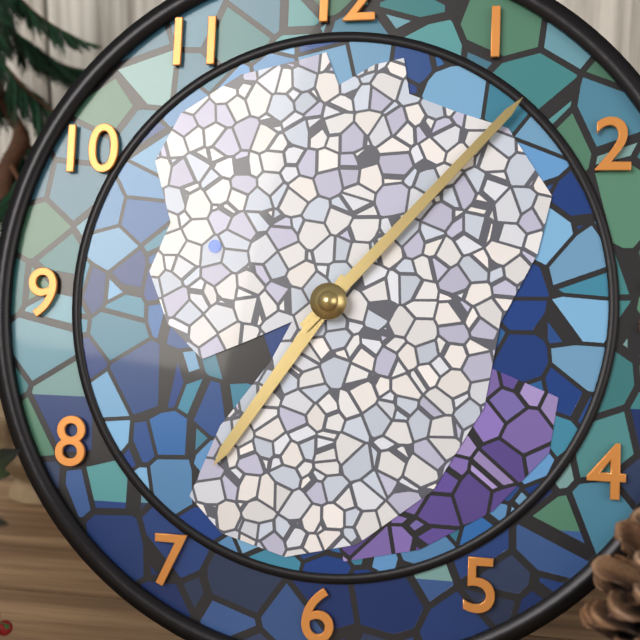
7:07
